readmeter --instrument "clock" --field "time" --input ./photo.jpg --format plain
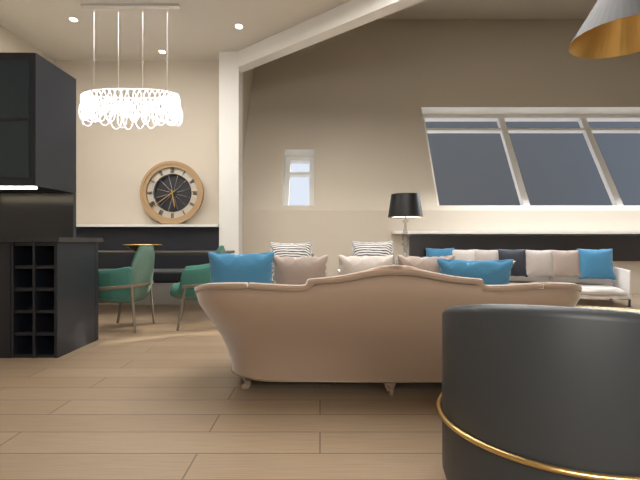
5:39
